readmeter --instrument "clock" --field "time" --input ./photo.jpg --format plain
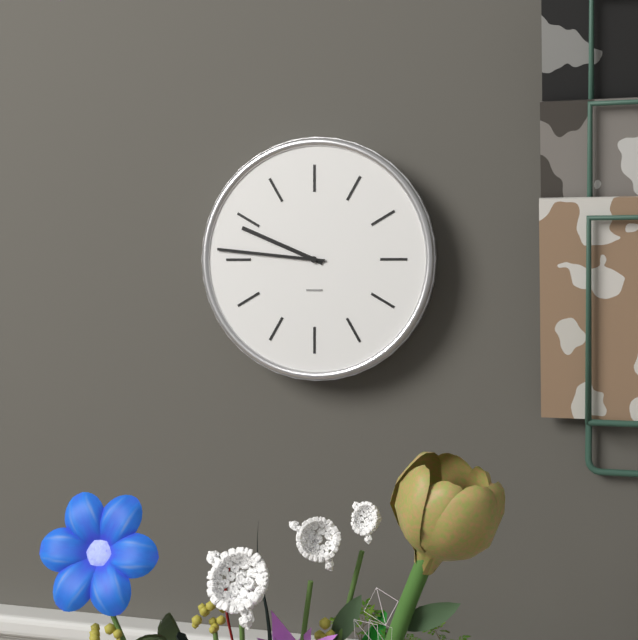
9:46
